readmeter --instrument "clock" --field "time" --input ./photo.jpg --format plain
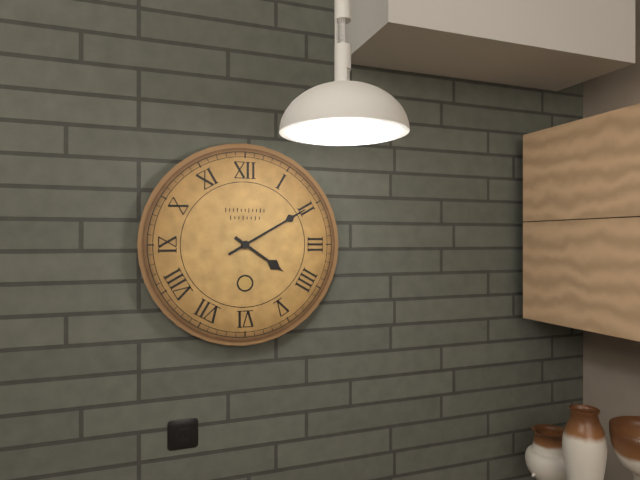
4:10
